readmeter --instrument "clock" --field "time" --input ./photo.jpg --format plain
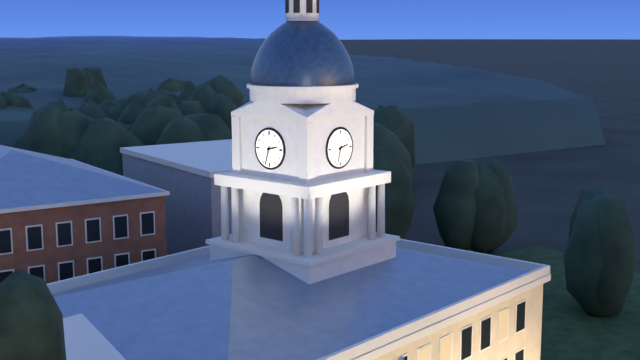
2:33
